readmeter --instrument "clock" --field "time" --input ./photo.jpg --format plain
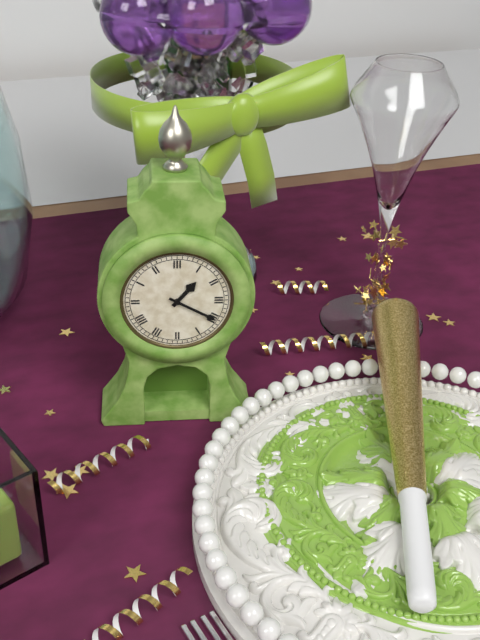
1:20
